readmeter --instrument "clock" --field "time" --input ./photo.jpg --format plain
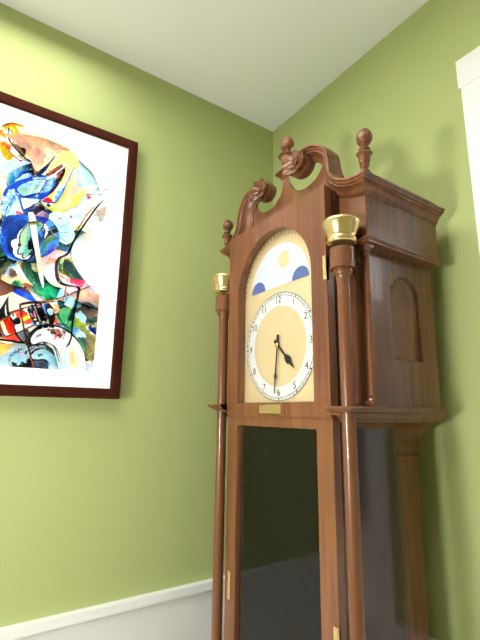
4:31
